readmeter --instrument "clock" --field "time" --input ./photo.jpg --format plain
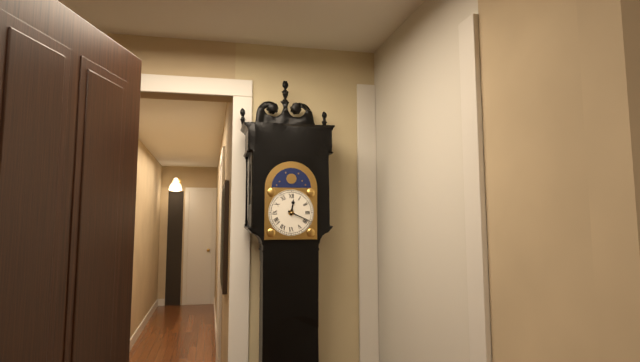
12:19
